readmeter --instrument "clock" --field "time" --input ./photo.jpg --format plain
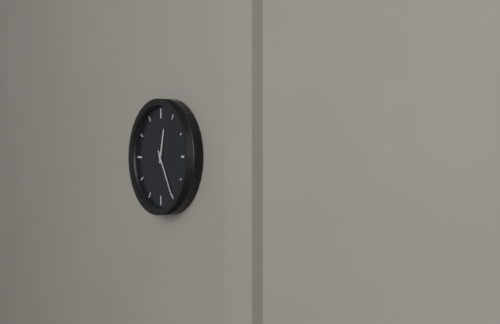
12:25
